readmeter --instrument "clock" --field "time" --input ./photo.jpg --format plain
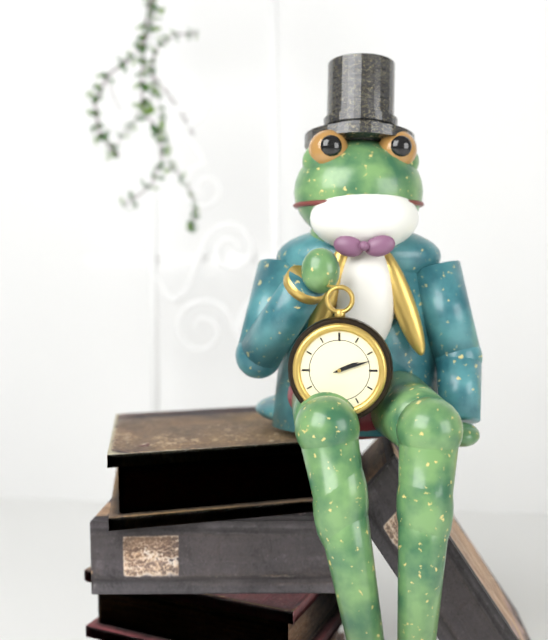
2:12
